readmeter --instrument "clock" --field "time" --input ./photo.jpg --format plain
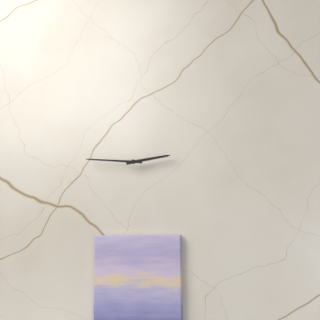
2:46
